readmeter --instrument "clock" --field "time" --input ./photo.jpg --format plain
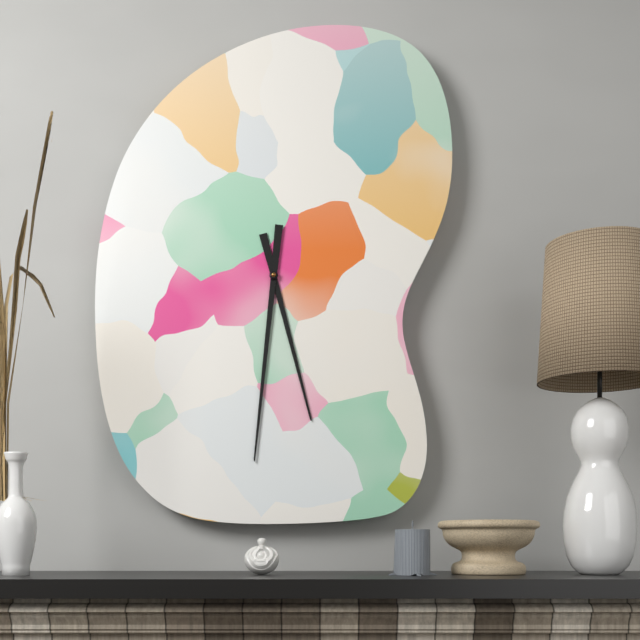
5:31
